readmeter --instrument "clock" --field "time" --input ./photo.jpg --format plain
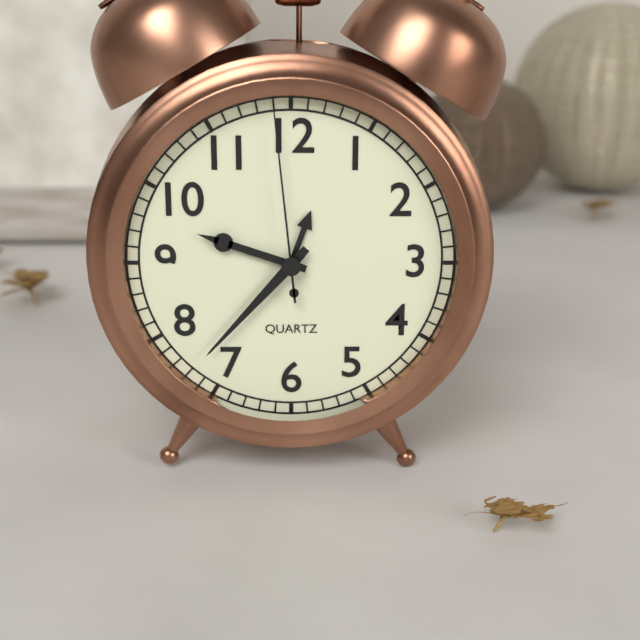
9:37:59
